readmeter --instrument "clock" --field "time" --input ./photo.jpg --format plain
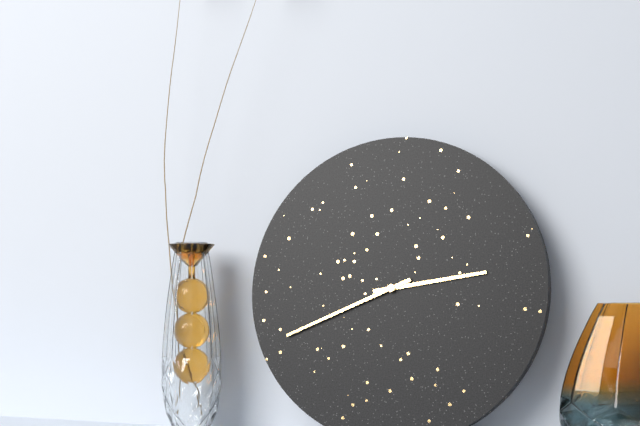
2:41
